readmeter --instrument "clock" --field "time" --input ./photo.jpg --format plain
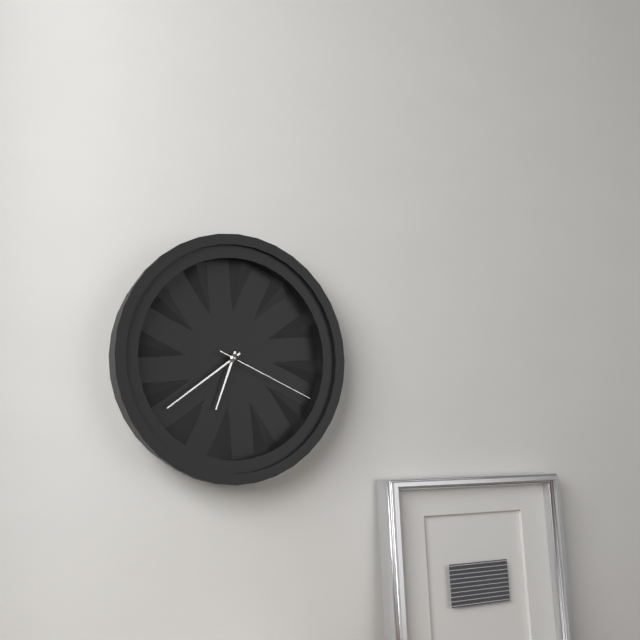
6:39:19
